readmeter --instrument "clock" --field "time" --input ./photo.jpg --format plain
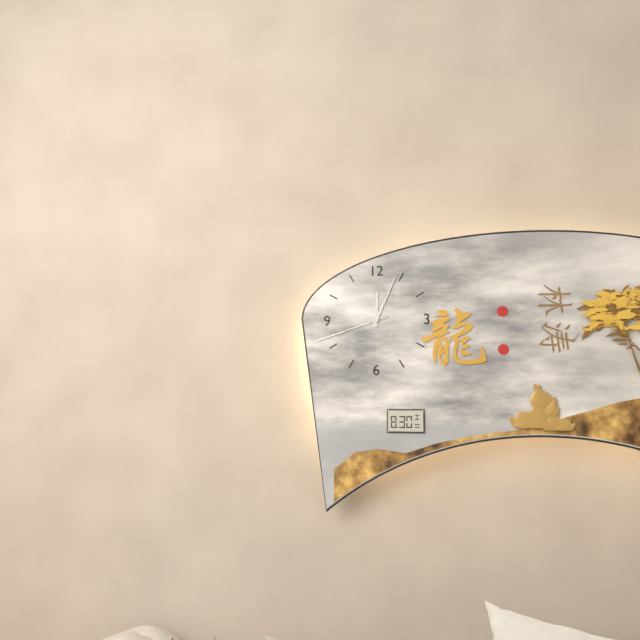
12:04:42
